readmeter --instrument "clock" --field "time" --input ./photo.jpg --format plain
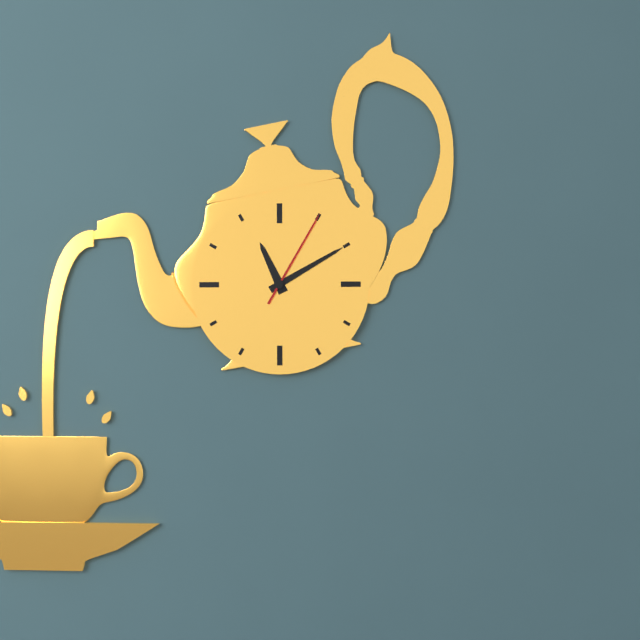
11:10:05
